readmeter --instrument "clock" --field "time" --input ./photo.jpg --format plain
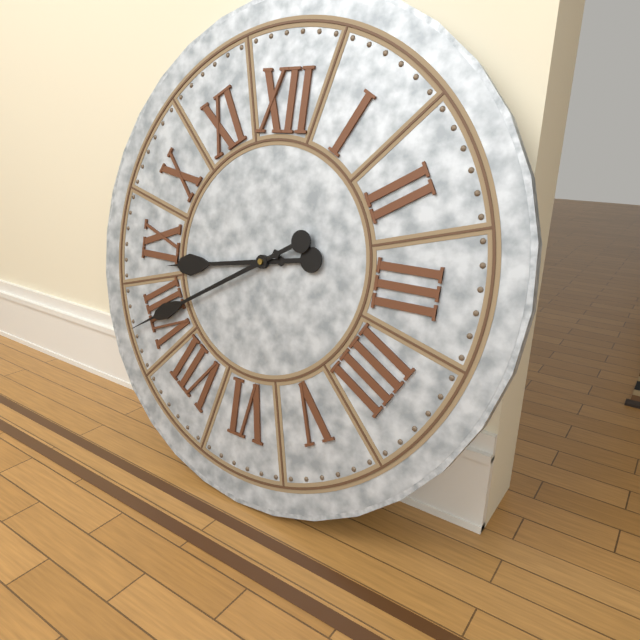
8:40
